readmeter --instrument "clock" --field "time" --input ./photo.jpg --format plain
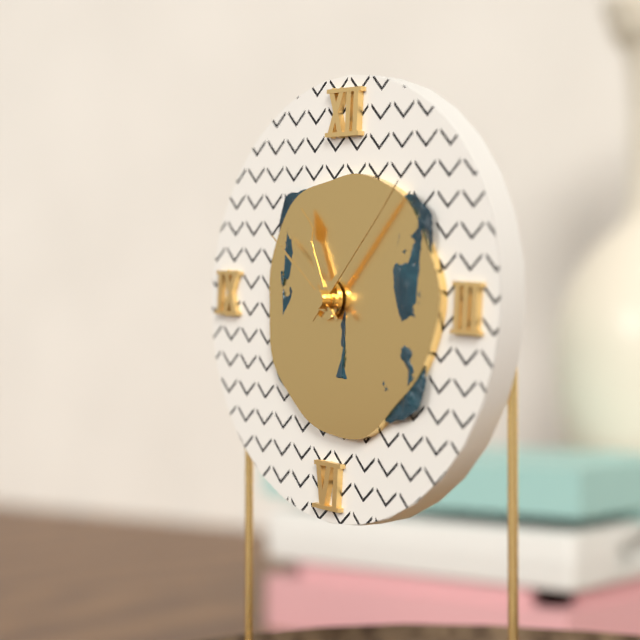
11:07:51
